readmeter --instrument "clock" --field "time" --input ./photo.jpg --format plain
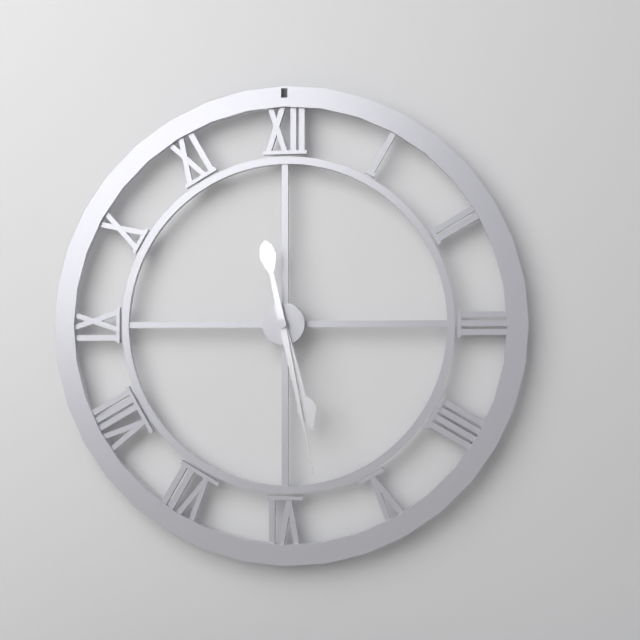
5:28
